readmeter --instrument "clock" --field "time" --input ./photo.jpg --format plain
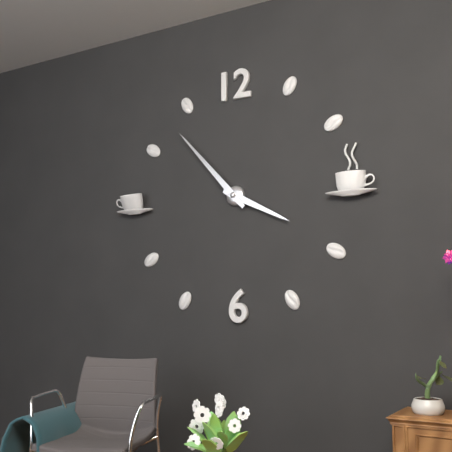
3:53
